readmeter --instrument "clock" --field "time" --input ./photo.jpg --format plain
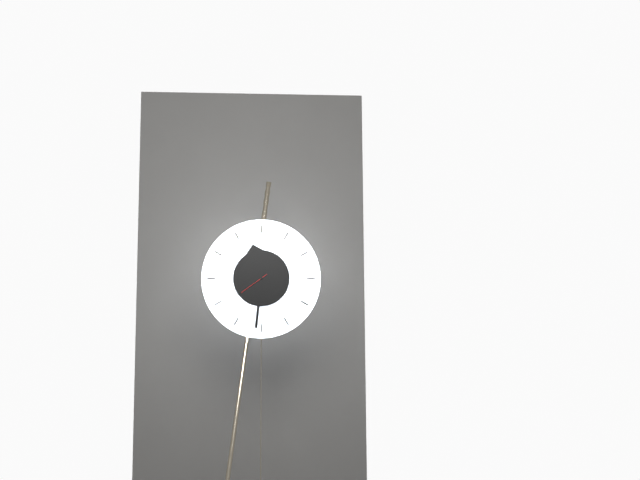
11:31:39
